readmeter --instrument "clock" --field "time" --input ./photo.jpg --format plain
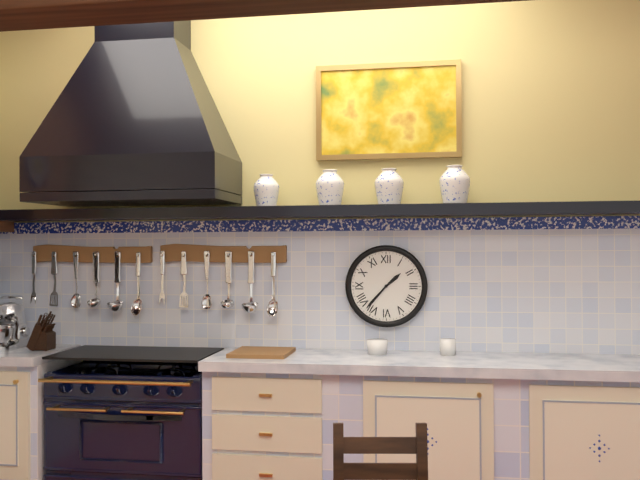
1:37
